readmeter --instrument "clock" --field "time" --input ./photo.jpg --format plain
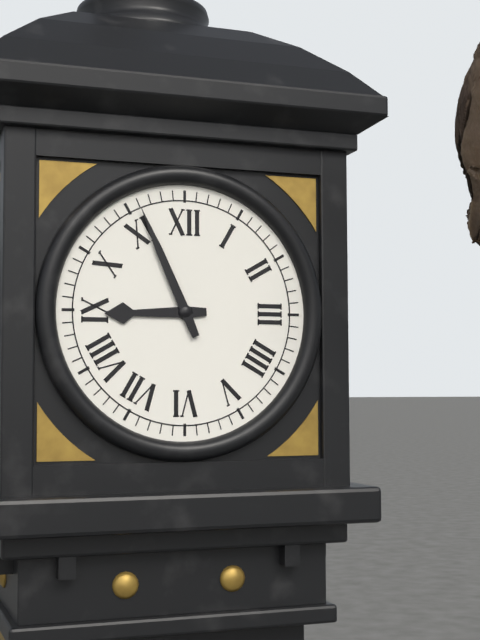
8:56
